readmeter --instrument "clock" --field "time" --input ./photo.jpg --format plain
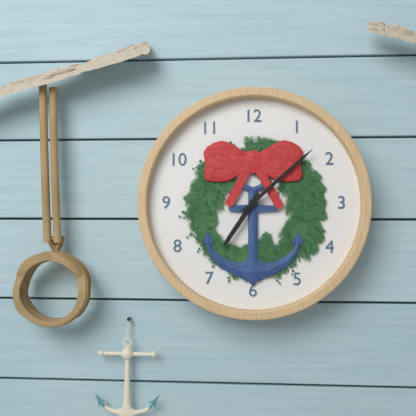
7:08
